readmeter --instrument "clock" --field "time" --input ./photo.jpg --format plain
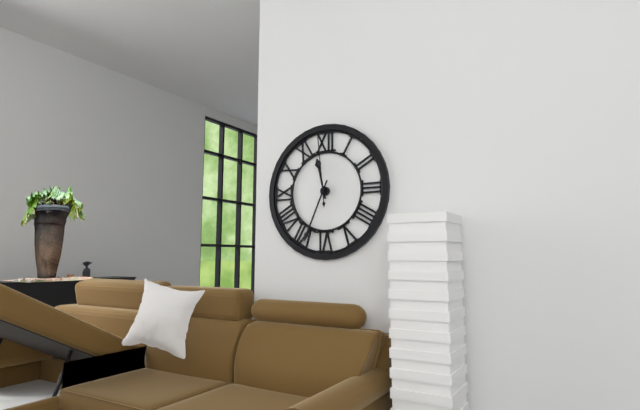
11:34:59
